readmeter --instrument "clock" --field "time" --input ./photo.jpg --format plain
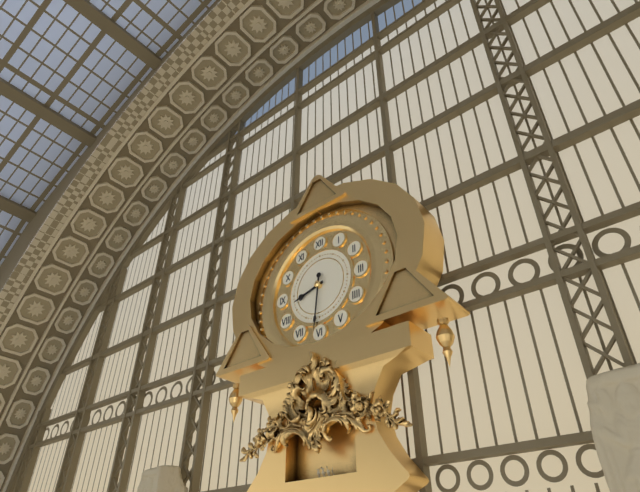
8:31
